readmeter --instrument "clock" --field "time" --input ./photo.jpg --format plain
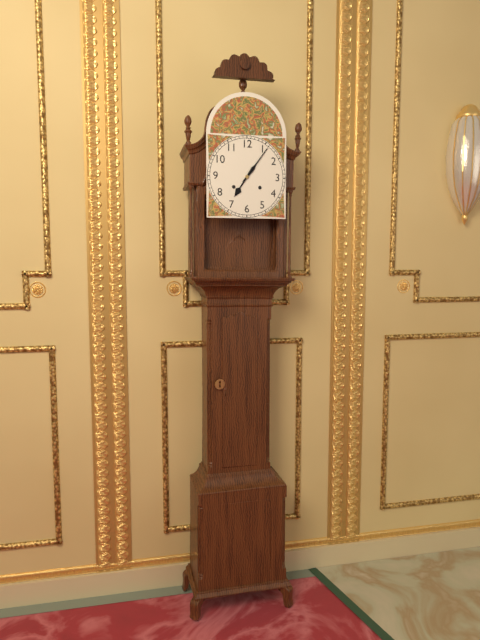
7:06
